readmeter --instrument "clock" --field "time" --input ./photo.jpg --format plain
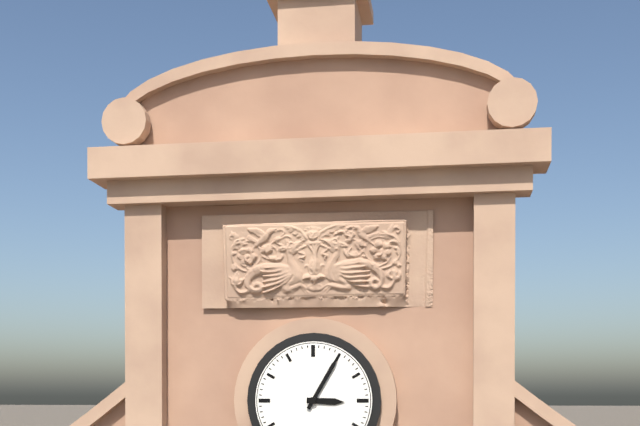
3:05
